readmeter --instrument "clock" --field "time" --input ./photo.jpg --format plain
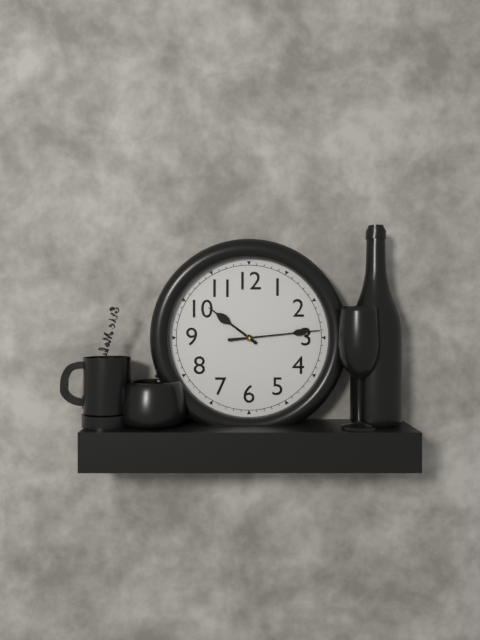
10:14
